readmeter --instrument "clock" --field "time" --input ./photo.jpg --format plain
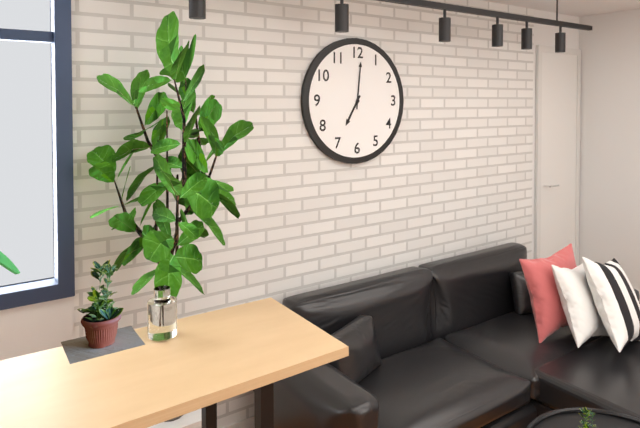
7:01
